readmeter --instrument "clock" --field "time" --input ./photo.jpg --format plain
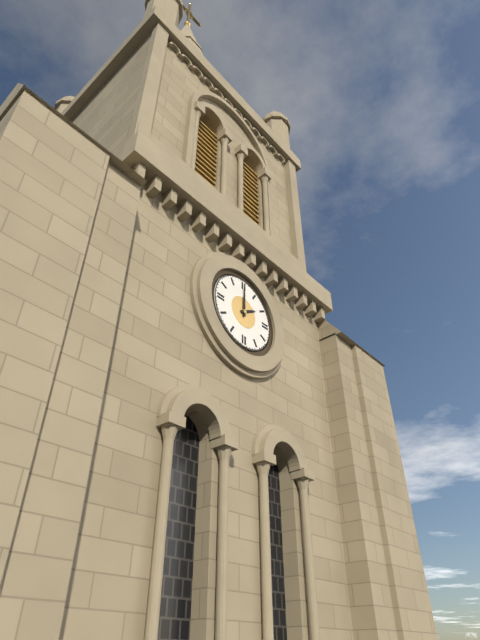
2:00
